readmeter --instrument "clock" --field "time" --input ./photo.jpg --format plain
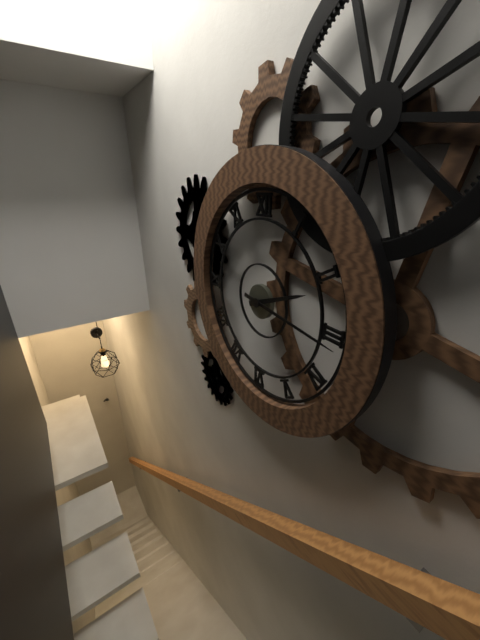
2:16
